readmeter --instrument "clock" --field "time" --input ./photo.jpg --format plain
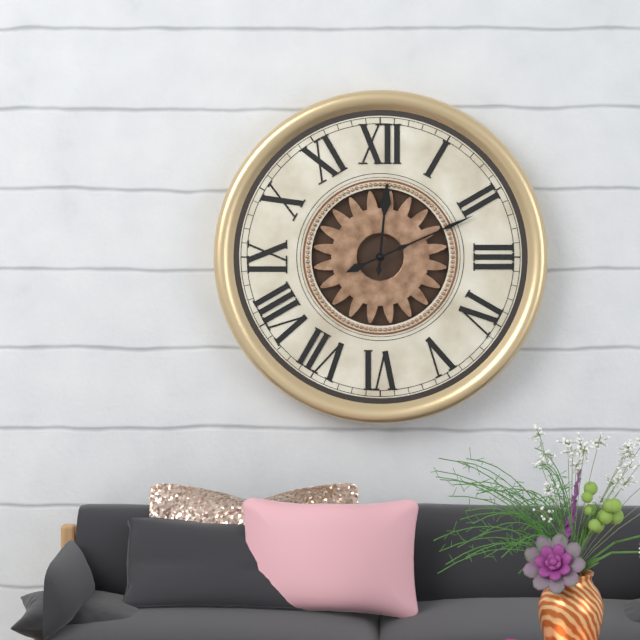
12:11
